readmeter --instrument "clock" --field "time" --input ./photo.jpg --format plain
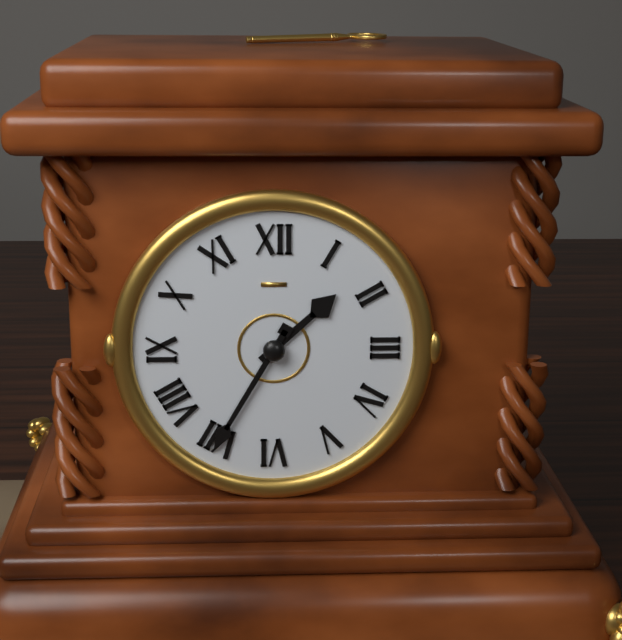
1:35
